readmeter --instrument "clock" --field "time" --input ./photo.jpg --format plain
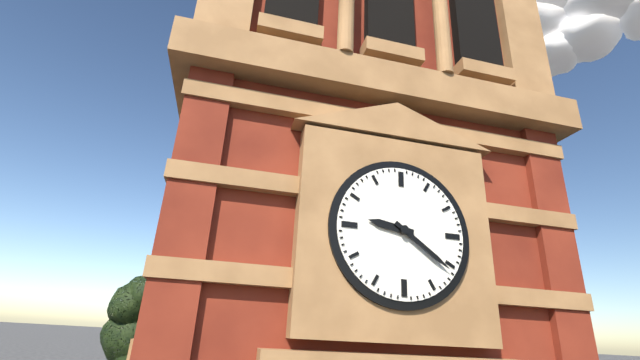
9:21
